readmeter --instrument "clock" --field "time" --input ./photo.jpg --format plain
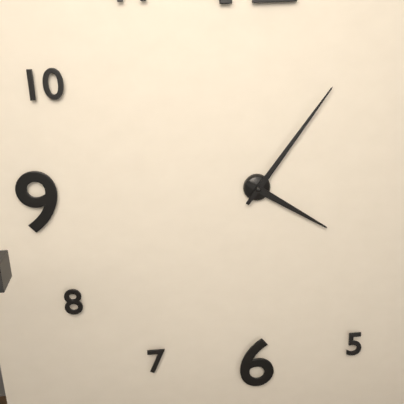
4:06
